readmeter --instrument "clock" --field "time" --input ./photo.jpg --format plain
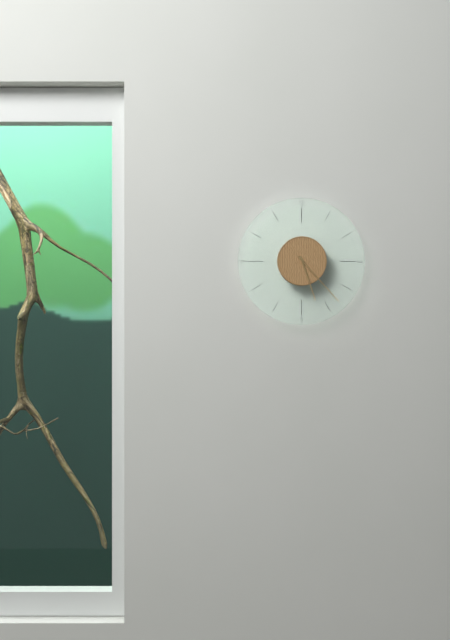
5:23
